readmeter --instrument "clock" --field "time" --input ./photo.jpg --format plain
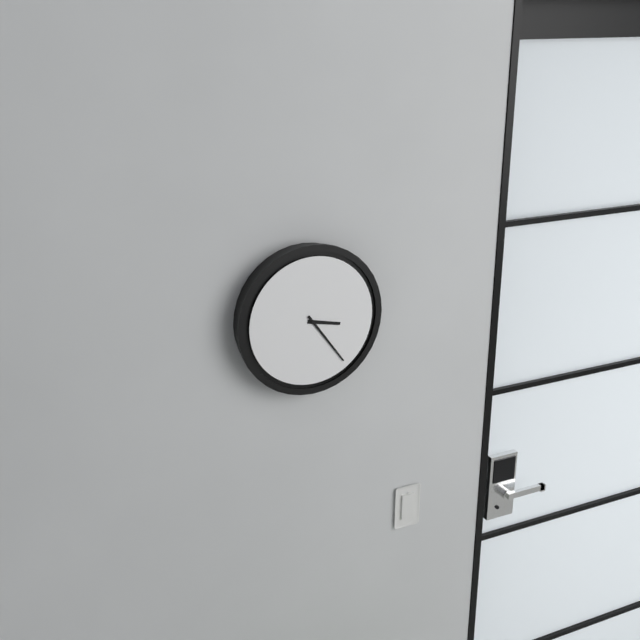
3:24
